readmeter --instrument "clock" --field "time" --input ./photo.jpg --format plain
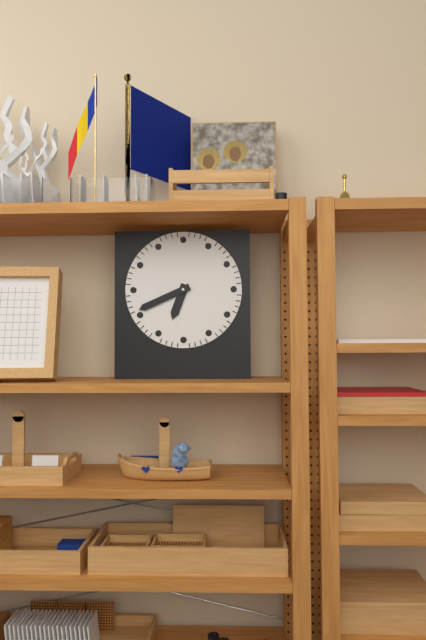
6:41
